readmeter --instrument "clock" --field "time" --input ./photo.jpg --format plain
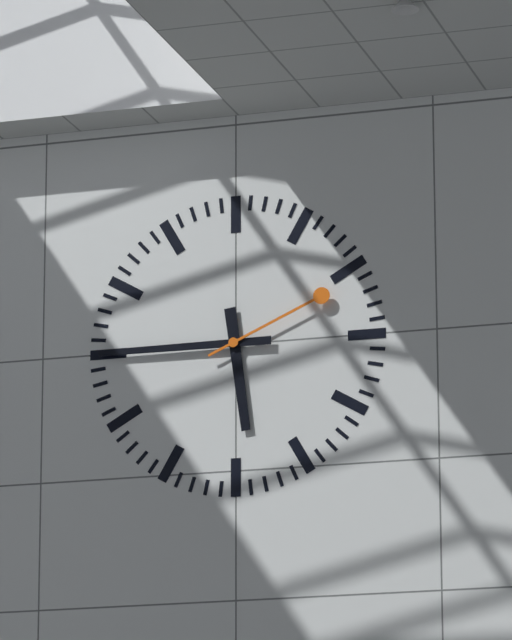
5:45:11
